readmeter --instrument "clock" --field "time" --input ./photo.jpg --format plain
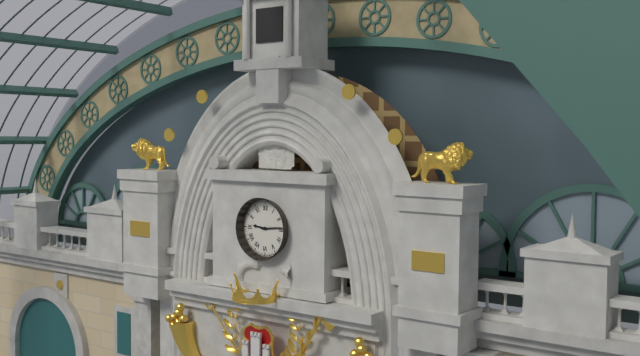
9:14
